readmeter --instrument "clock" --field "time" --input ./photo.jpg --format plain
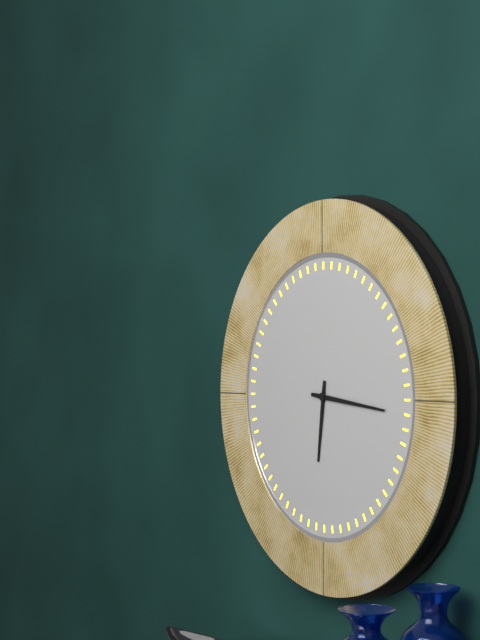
6:16
